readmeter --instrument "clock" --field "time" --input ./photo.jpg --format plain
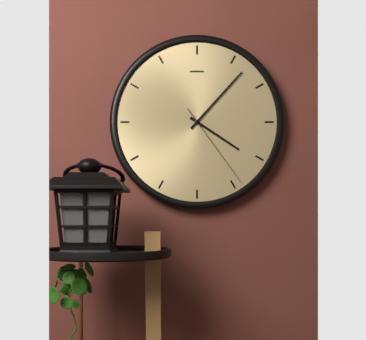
4:07:24
